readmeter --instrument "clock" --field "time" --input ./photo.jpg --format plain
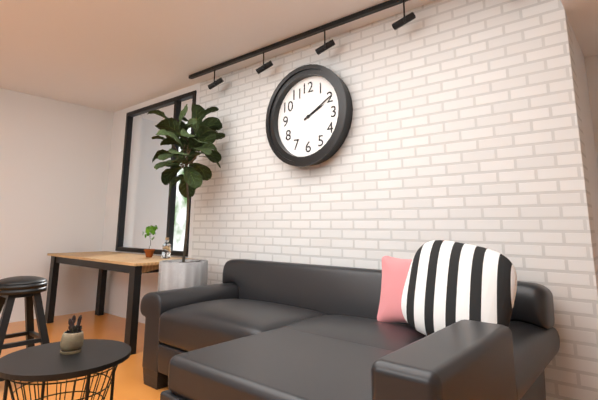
2:10
